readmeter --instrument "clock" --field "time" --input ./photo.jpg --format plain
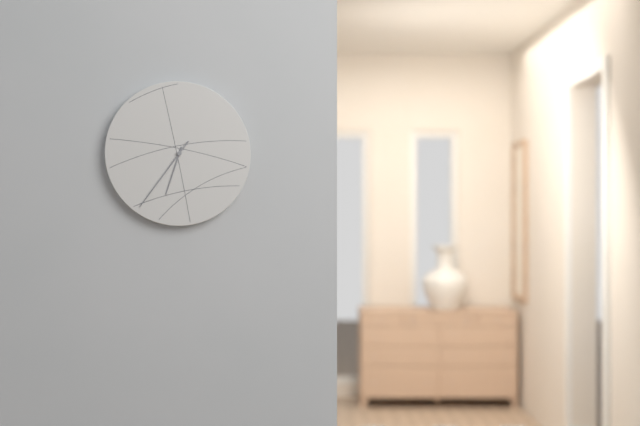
6:36
